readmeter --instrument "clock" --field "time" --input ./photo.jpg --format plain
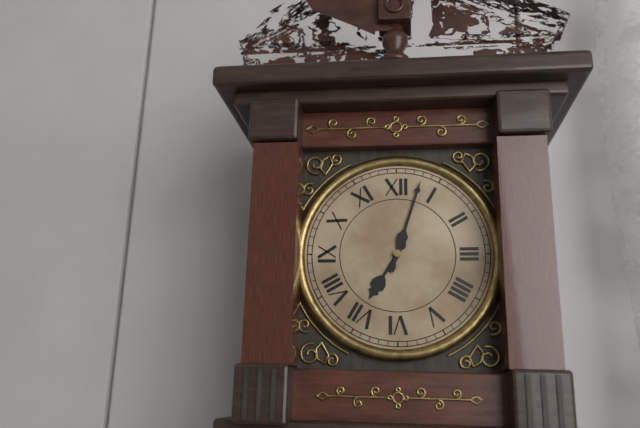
7:03
